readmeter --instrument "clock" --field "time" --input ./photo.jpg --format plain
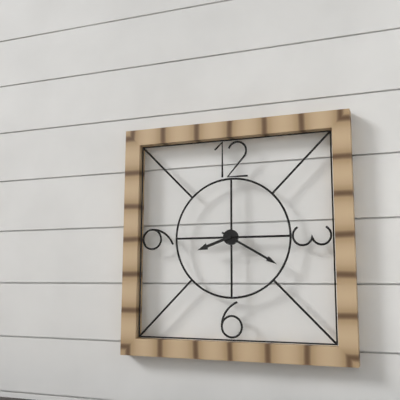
8:20
